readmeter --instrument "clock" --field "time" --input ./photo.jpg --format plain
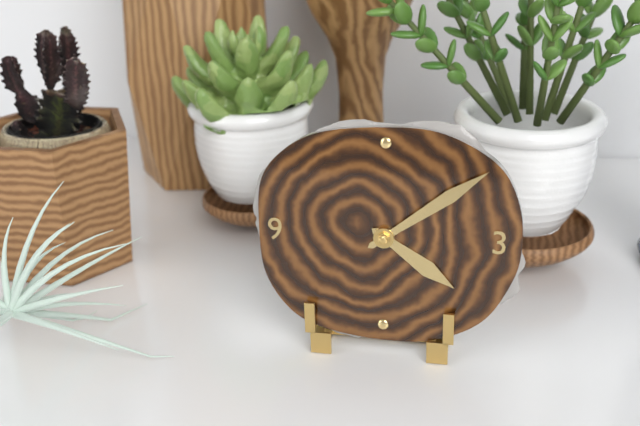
4:09
